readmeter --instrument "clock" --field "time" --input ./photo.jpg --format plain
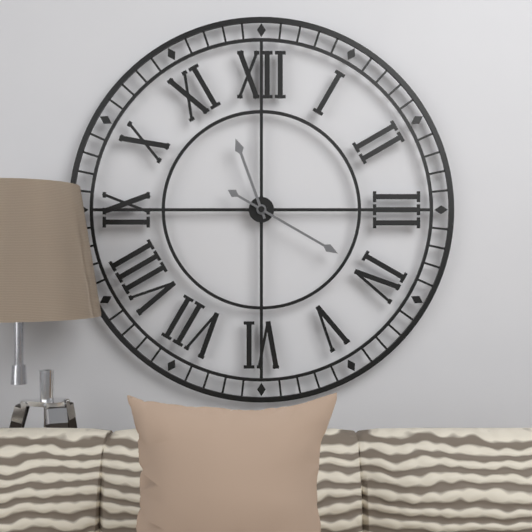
11:20
